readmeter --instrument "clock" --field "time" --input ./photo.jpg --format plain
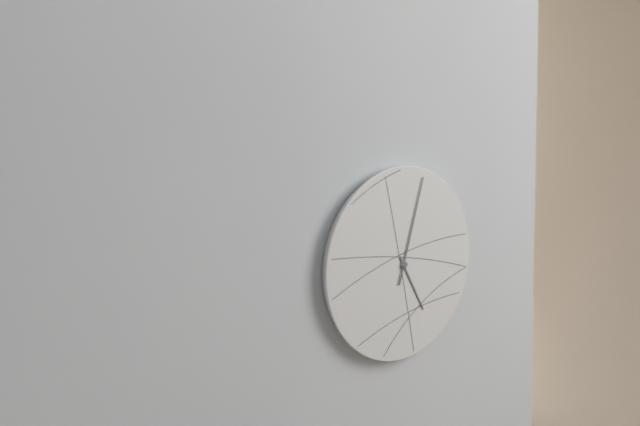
5:03
